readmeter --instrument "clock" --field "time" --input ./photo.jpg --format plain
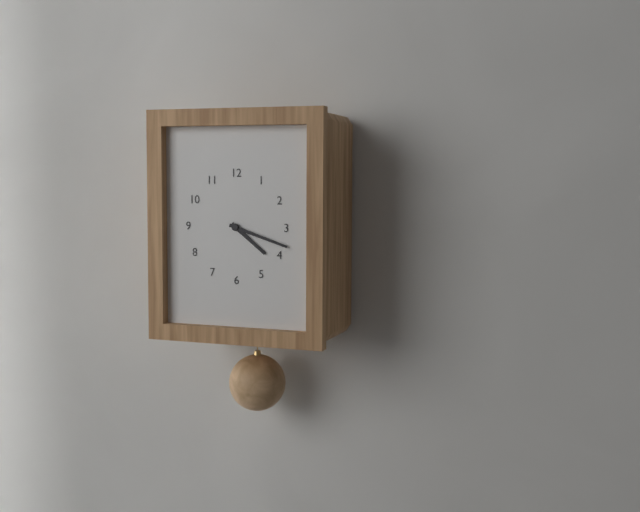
4:18
